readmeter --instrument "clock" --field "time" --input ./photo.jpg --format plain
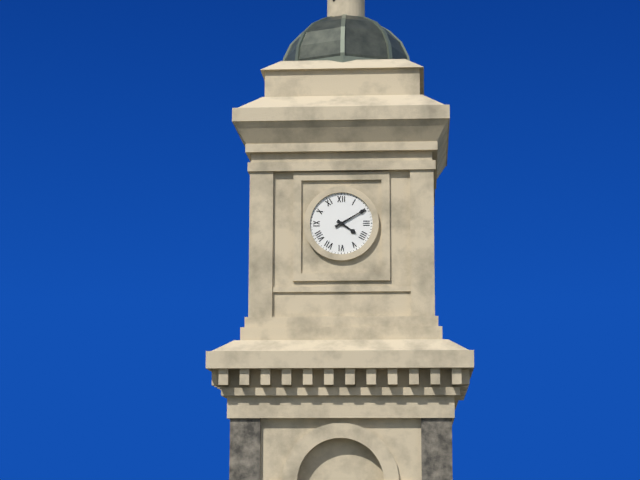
4:10
